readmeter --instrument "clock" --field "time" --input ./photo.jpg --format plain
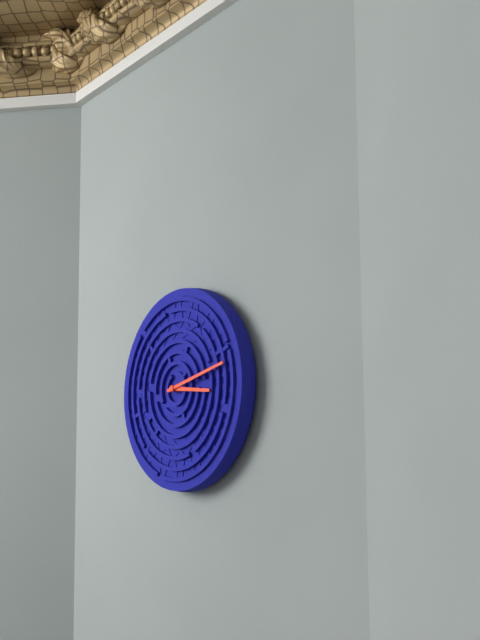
3:13
